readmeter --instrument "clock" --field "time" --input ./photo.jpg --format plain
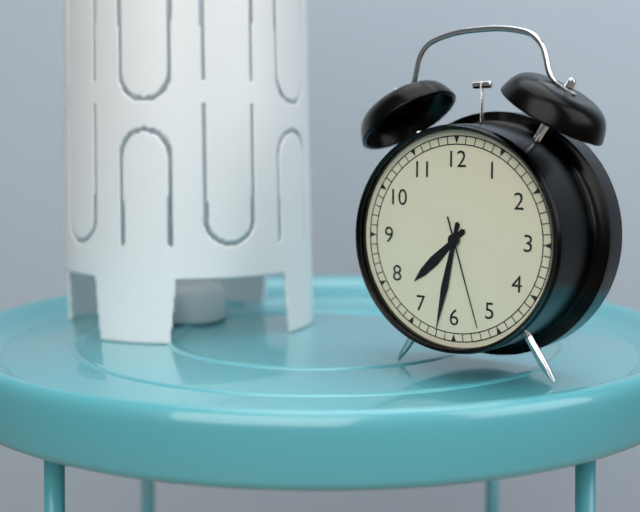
7:32:27
